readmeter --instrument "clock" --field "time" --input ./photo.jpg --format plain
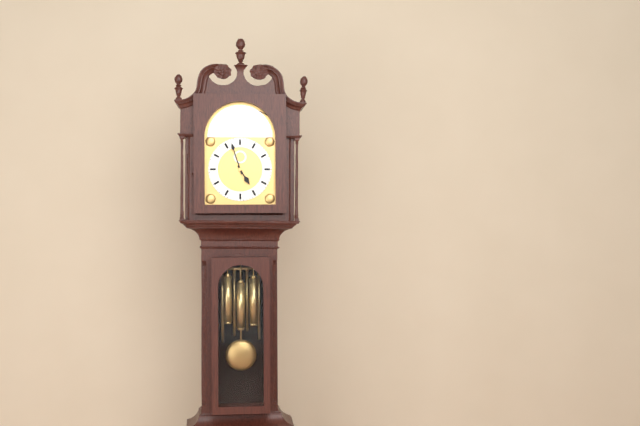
4:57
